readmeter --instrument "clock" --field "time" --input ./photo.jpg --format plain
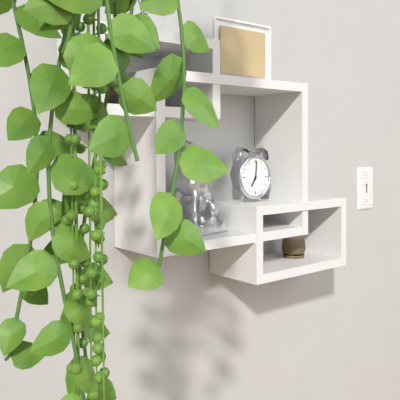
7:01
